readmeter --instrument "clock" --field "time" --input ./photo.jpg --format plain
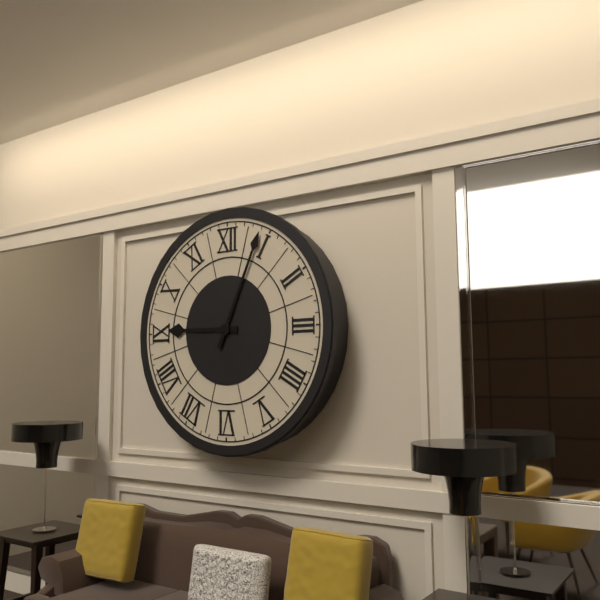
9:04
